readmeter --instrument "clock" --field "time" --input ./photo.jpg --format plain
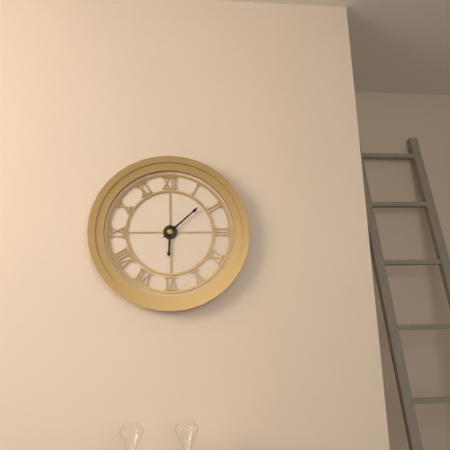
6:08
